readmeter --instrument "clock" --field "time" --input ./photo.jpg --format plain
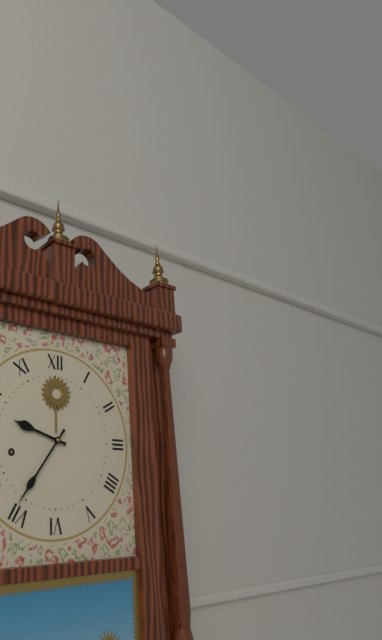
9:36
